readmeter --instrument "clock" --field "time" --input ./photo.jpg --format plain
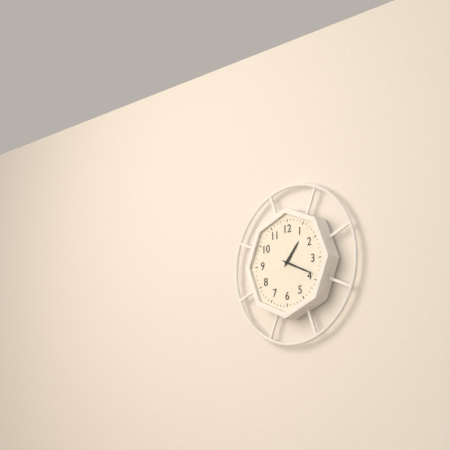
1:19
